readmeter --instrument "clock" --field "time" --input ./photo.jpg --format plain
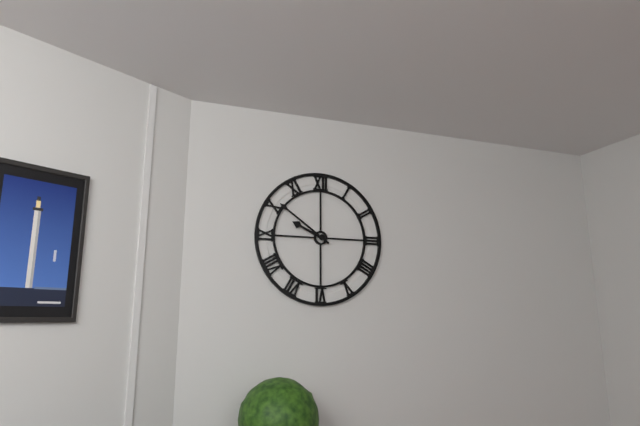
9:51
